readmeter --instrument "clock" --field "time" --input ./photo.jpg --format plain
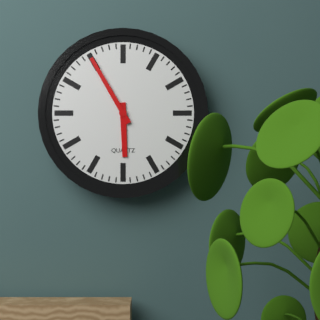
5:55
